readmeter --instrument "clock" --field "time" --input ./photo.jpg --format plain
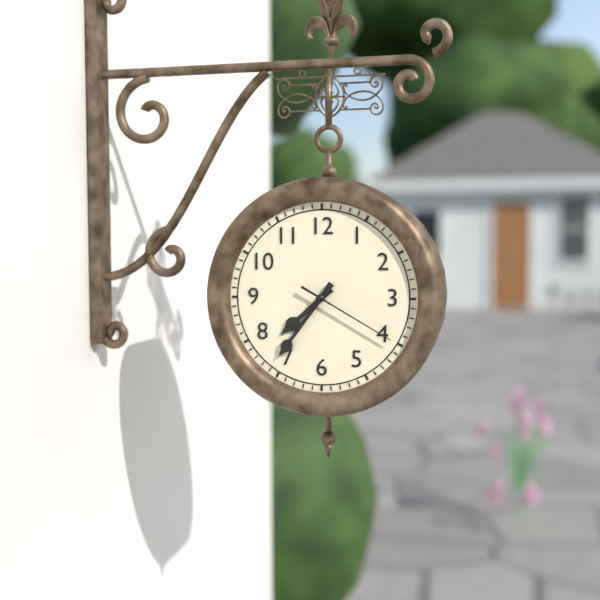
7:36:20
